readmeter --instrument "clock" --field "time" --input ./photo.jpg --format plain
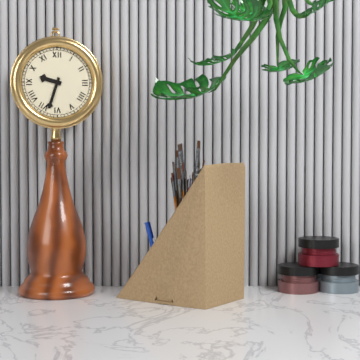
9:33
